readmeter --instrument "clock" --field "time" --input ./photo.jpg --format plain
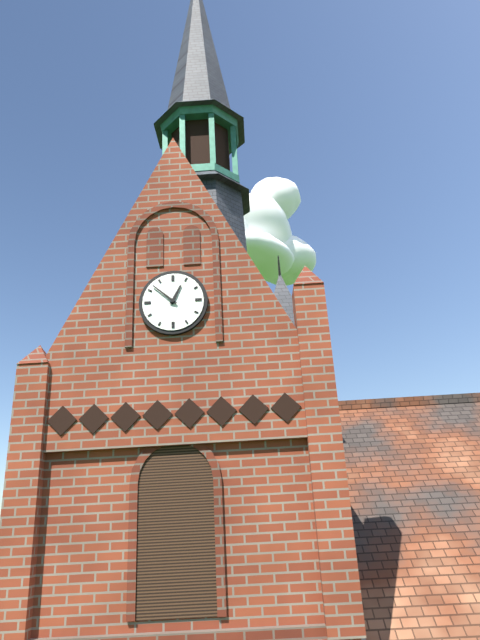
12:52
